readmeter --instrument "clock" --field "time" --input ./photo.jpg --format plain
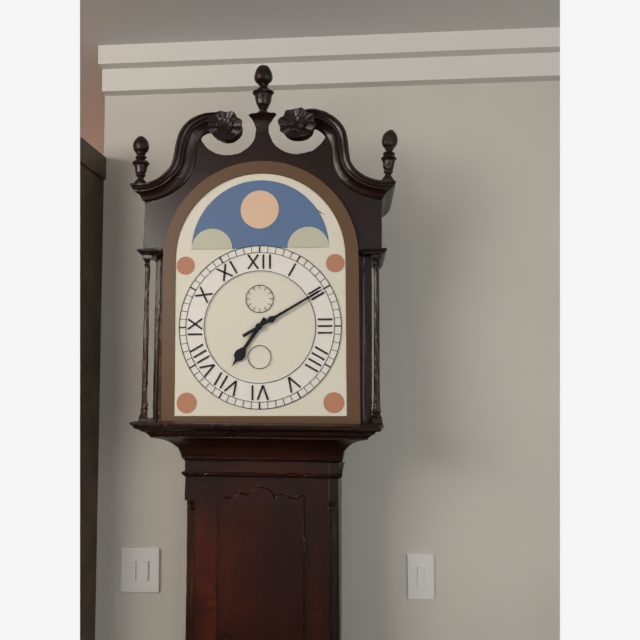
7:10
